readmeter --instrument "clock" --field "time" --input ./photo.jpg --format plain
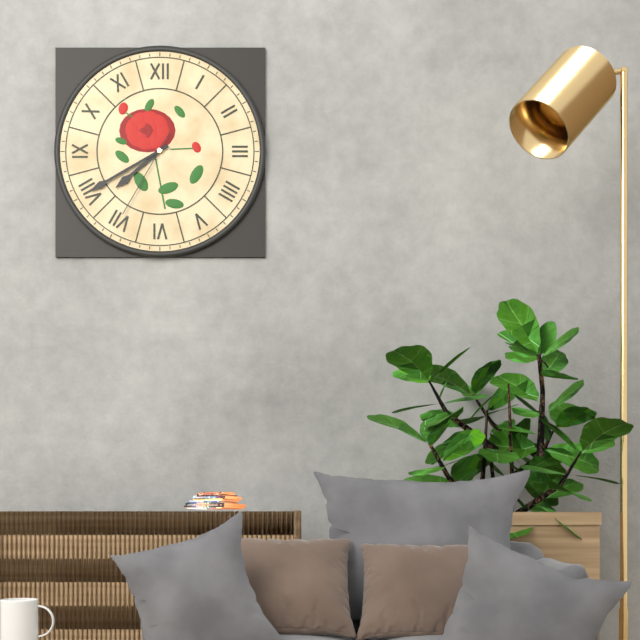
7:40:35
